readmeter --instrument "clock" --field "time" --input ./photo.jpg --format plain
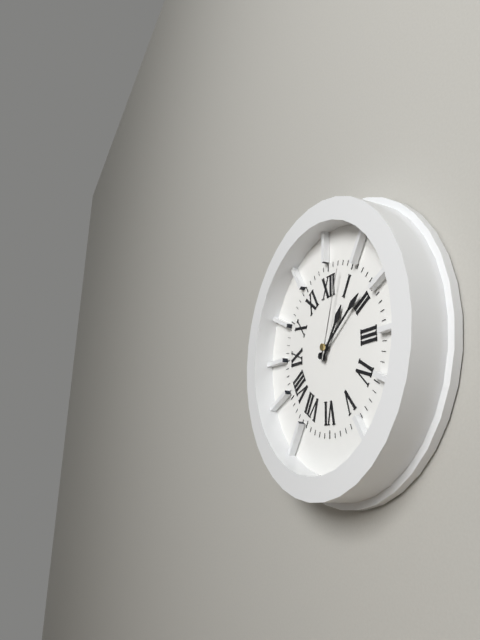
1:09:03
